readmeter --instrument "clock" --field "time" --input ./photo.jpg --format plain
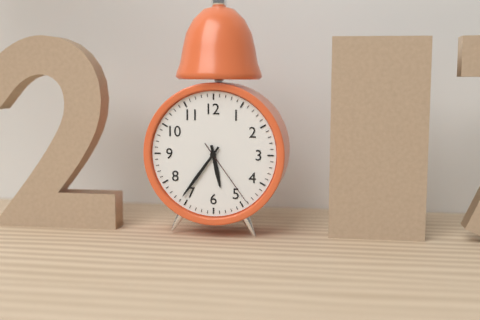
5:36:24
